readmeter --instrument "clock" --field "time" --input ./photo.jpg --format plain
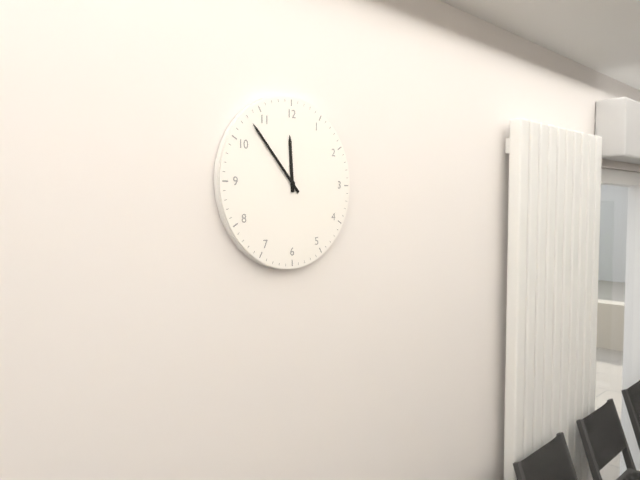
11:53
